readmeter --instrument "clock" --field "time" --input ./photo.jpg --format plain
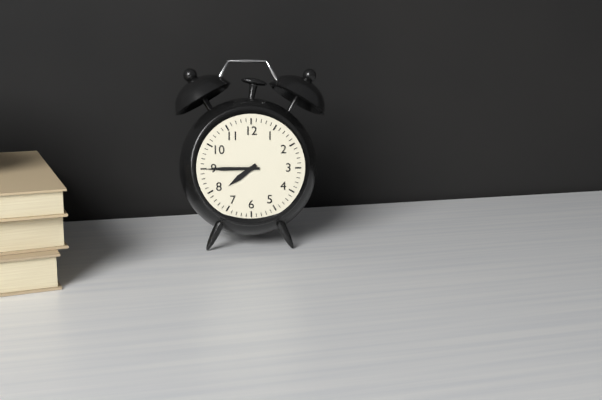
7:45
